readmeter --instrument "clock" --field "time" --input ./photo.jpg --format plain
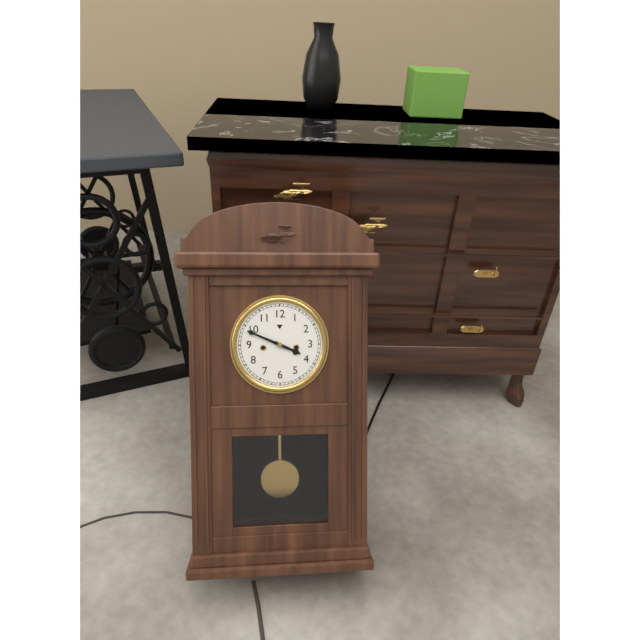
3:49
